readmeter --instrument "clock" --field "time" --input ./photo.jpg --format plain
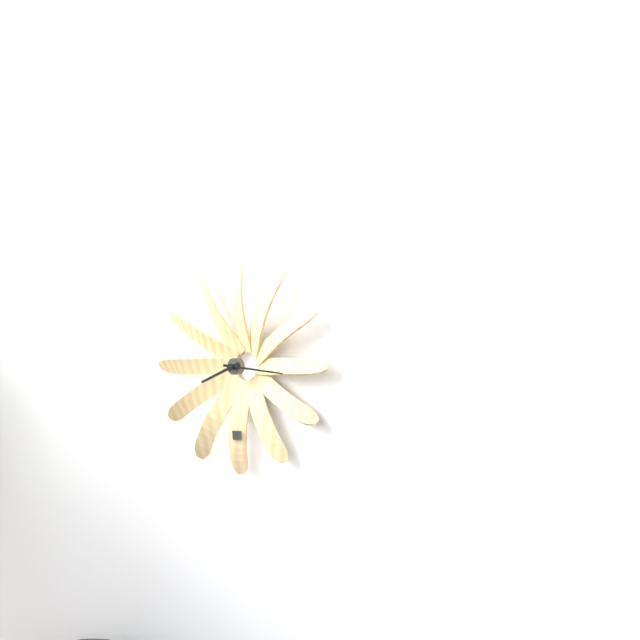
8:16
